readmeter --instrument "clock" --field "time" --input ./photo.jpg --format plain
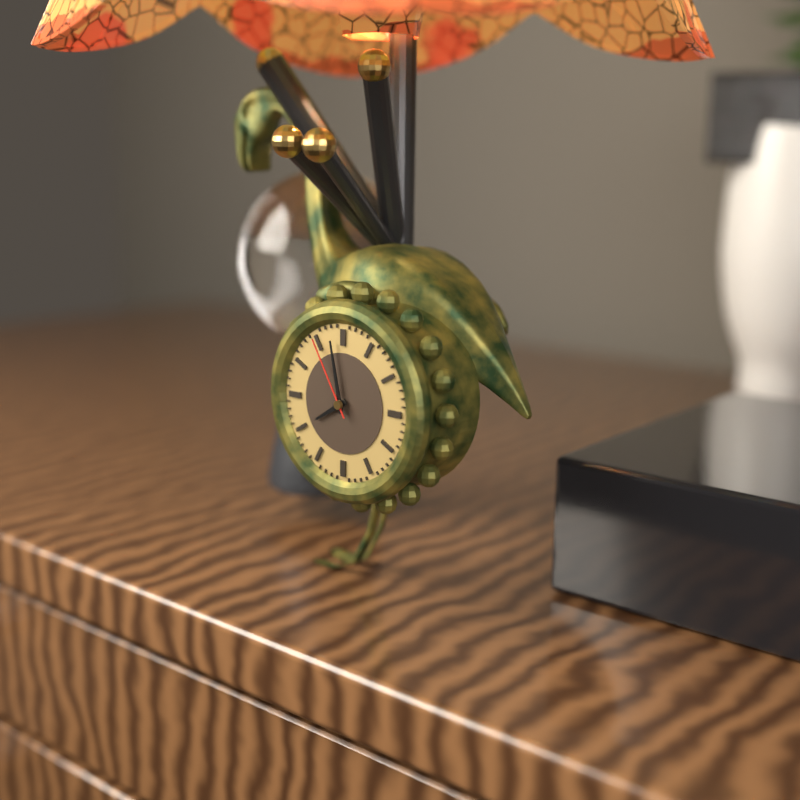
7:58:55
